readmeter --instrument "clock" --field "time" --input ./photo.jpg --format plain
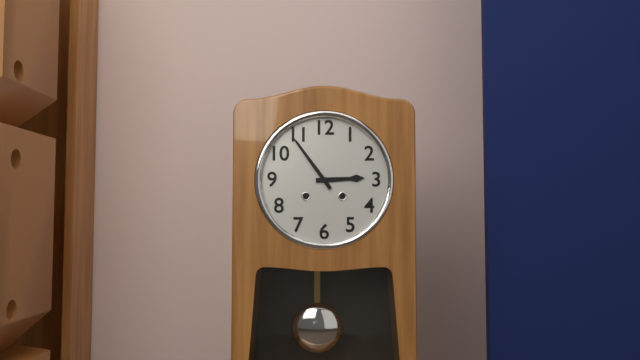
2:54
